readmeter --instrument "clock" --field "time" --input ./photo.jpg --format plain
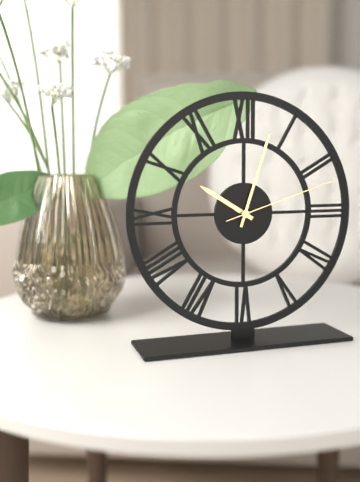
10:03:12
